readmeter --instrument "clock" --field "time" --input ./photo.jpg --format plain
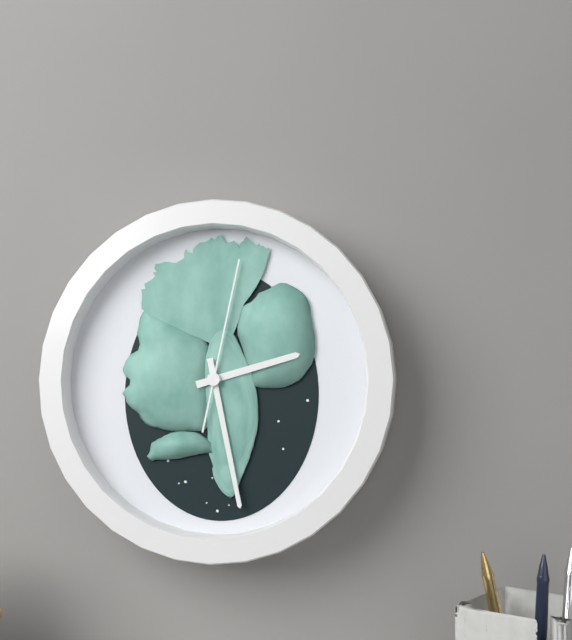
2:28:02
